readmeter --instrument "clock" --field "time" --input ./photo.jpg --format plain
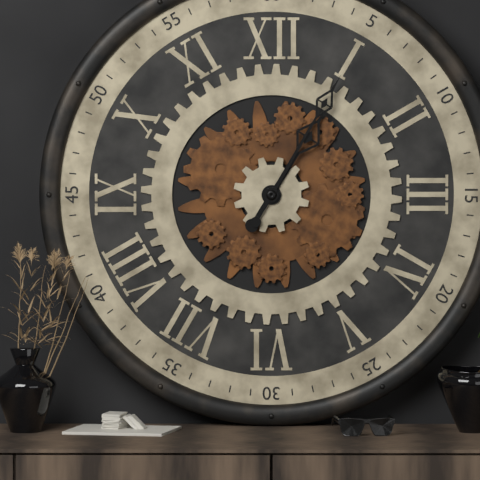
1:05
